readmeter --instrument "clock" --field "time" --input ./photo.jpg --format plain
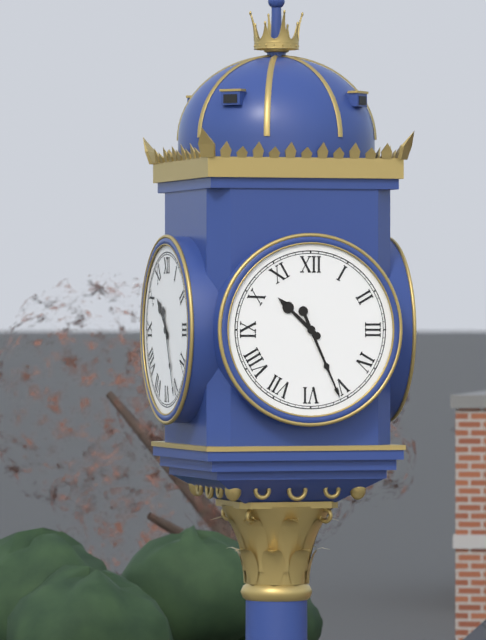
10:26
